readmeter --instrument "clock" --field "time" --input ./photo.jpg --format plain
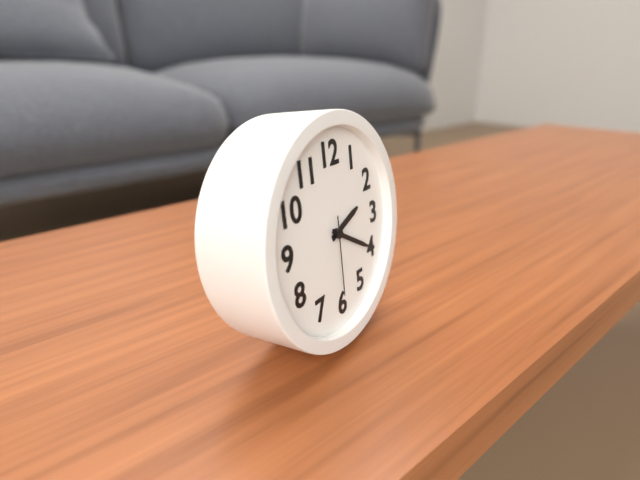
2:20:30
